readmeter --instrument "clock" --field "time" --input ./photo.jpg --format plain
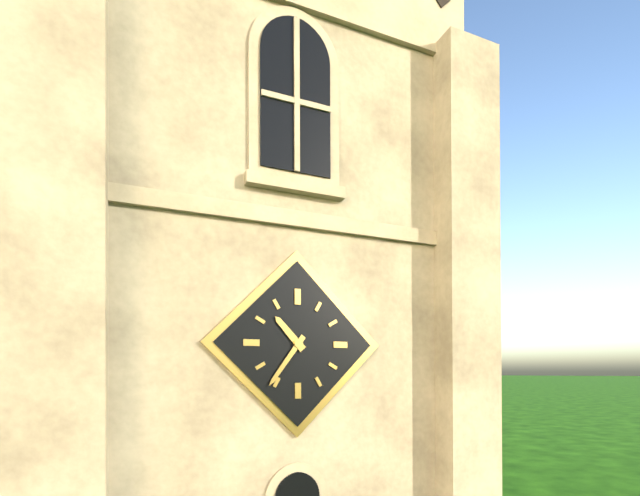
10:36
